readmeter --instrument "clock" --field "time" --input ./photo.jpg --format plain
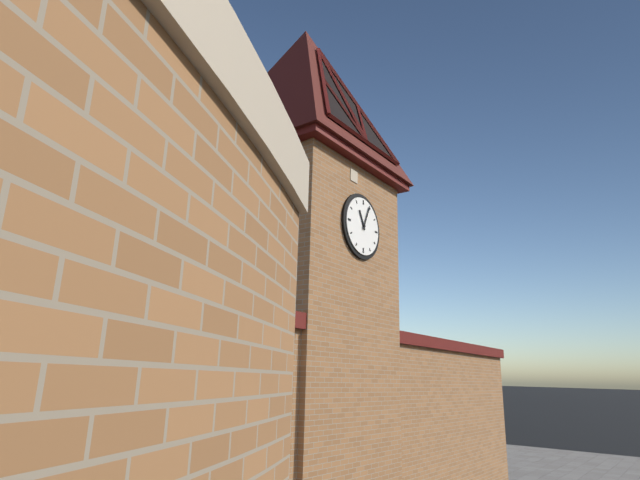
11:04
